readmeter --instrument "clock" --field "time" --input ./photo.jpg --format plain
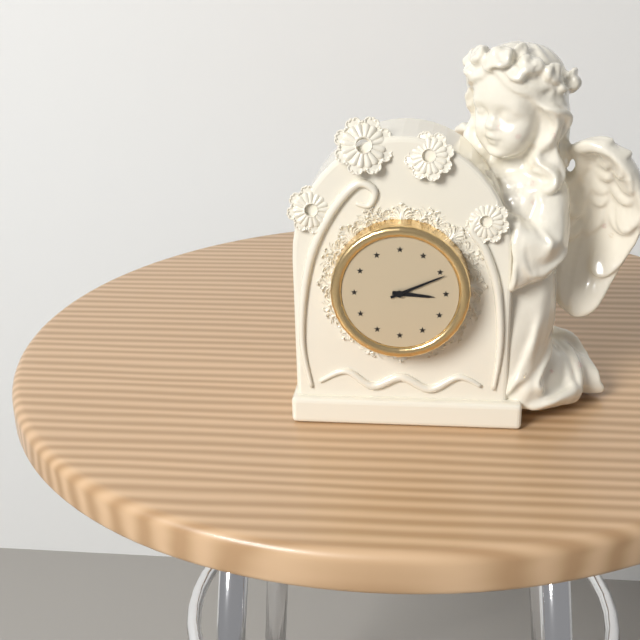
3:11
